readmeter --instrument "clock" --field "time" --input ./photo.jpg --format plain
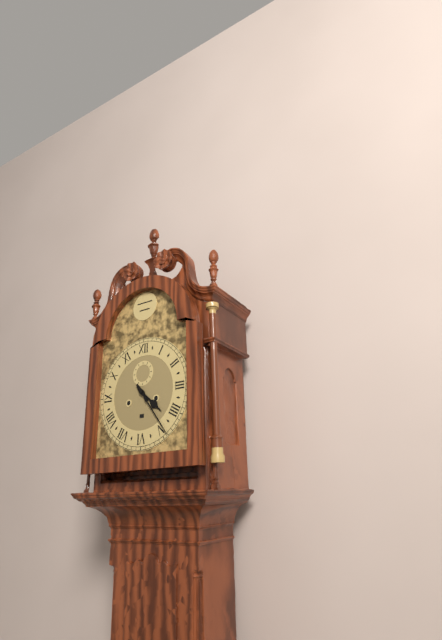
4:24
